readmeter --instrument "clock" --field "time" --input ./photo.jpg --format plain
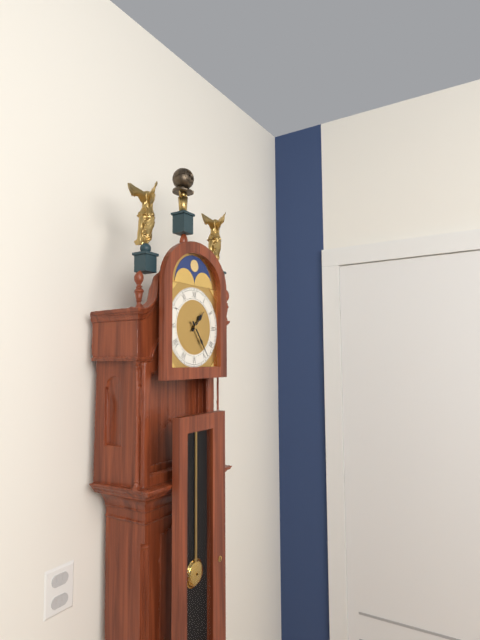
1:24
